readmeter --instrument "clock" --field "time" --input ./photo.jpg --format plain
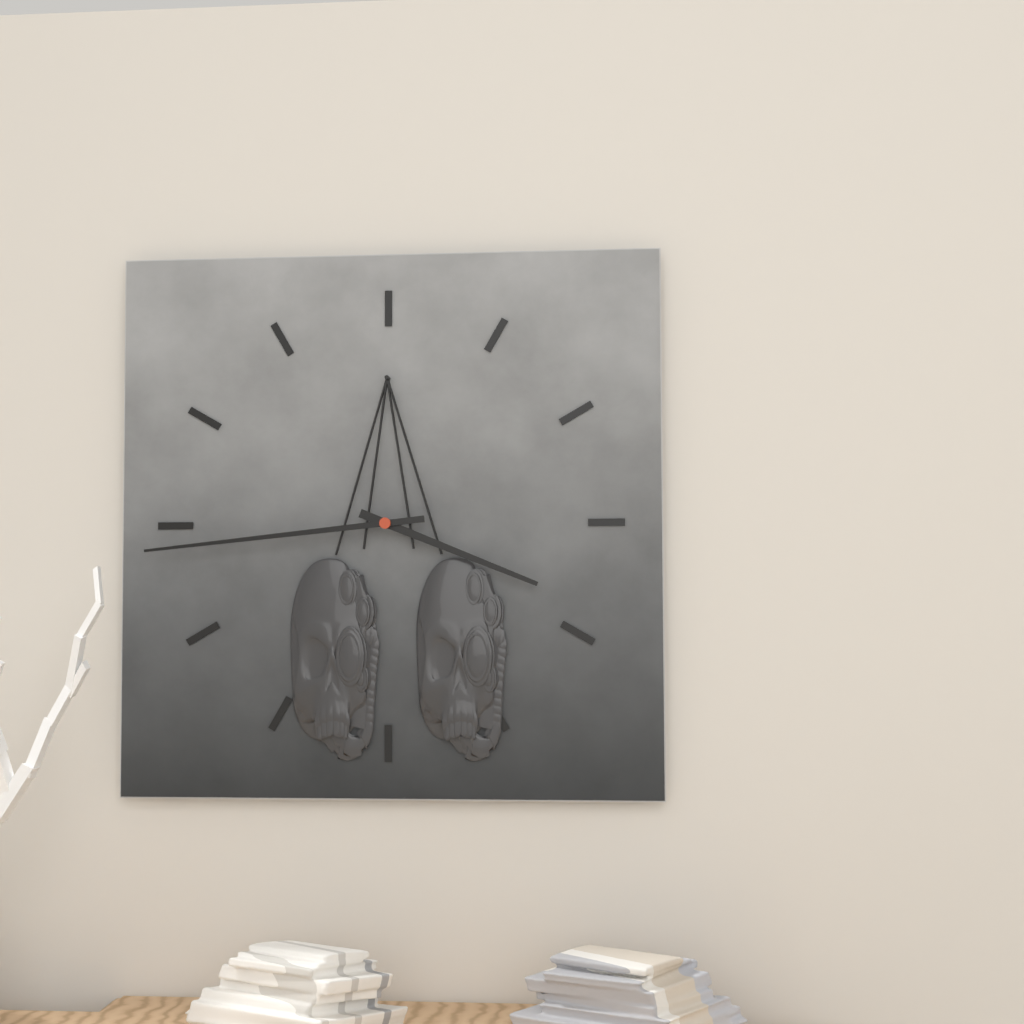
3:44
